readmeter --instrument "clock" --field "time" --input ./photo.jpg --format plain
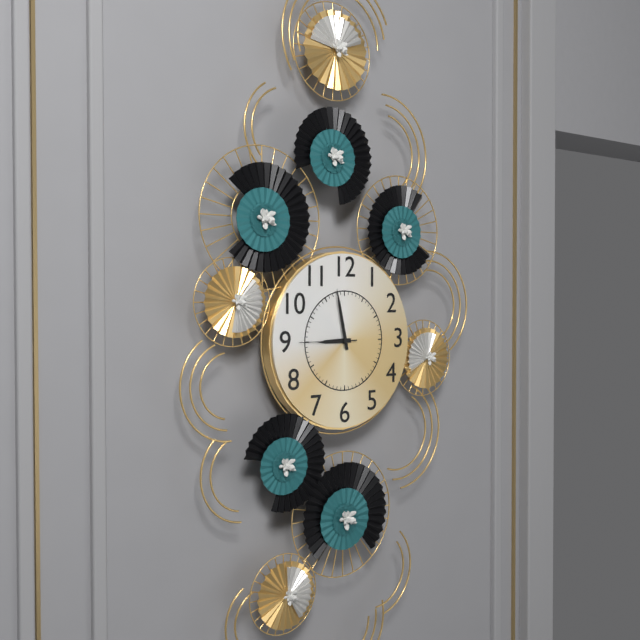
8:58:45
